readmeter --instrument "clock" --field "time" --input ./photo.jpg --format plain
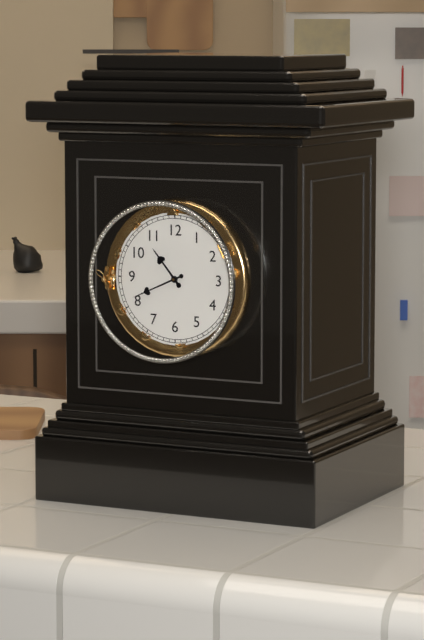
10:41
